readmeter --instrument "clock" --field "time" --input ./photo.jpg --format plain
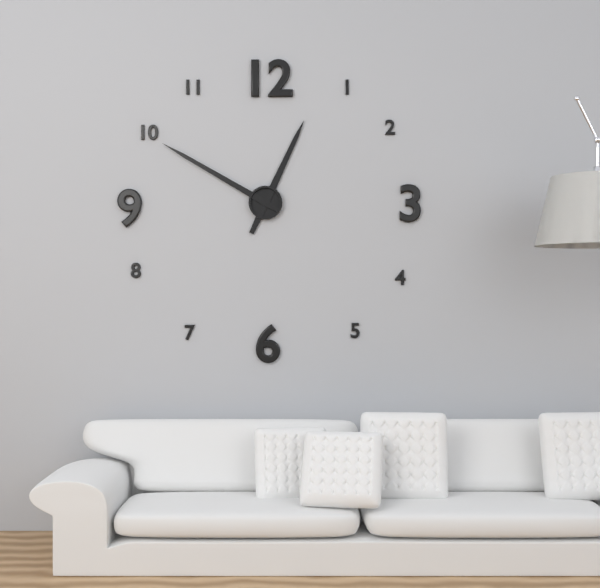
12:50
